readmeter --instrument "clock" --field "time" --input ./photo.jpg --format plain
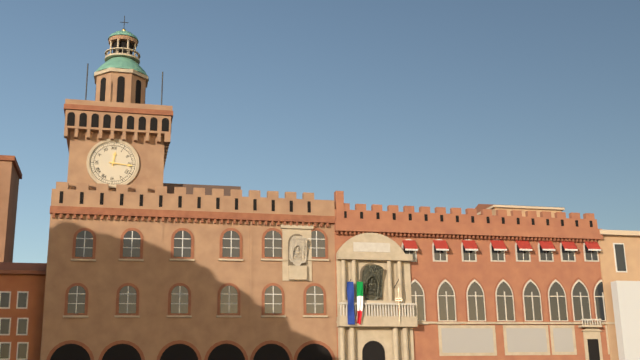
12:16
